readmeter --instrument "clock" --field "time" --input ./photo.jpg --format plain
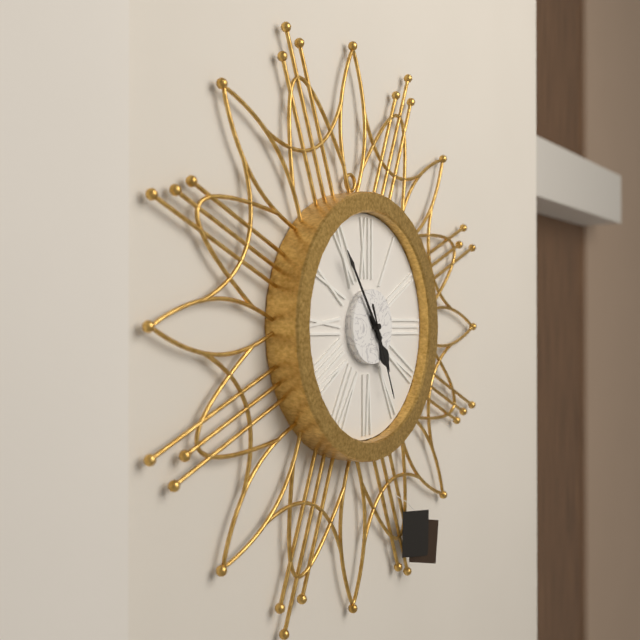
4:54:26
